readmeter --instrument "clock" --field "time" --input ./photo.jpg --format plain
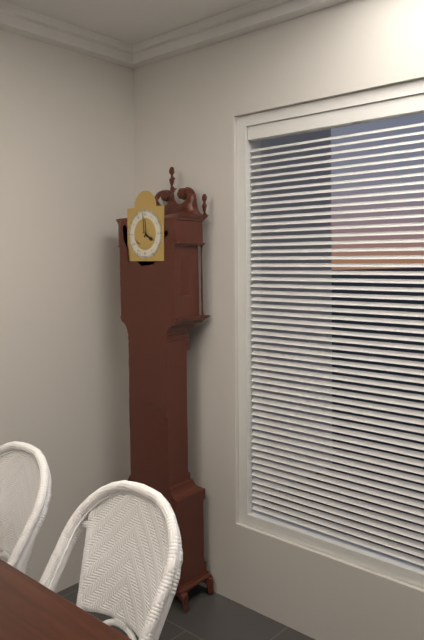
3:59
